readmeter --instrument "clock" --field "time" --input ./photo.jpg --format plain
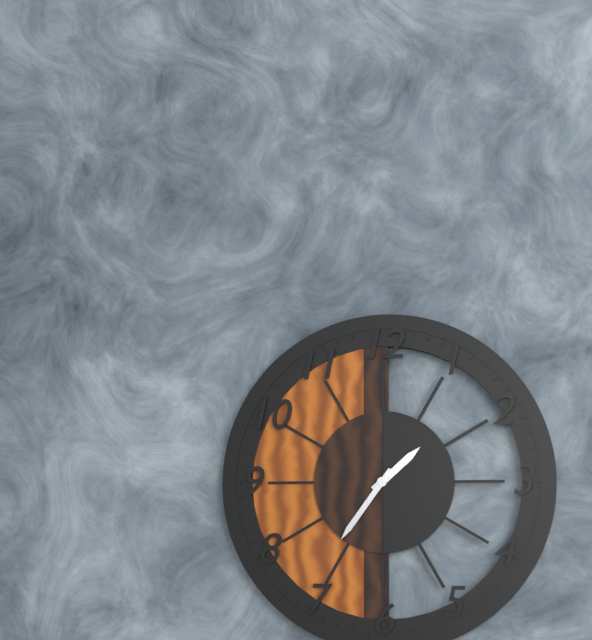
1:36
